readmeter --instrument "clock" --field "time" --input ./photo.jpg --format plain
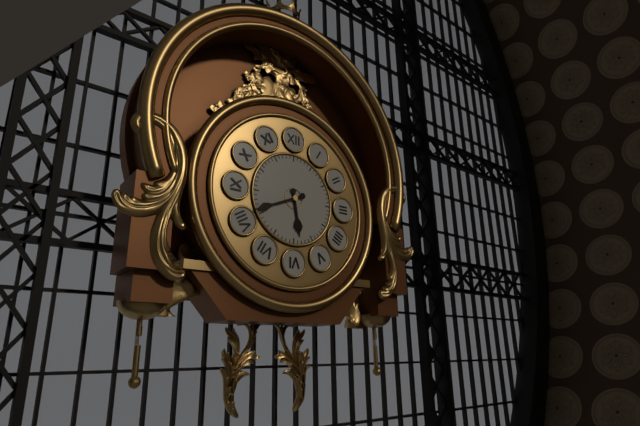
5:41
